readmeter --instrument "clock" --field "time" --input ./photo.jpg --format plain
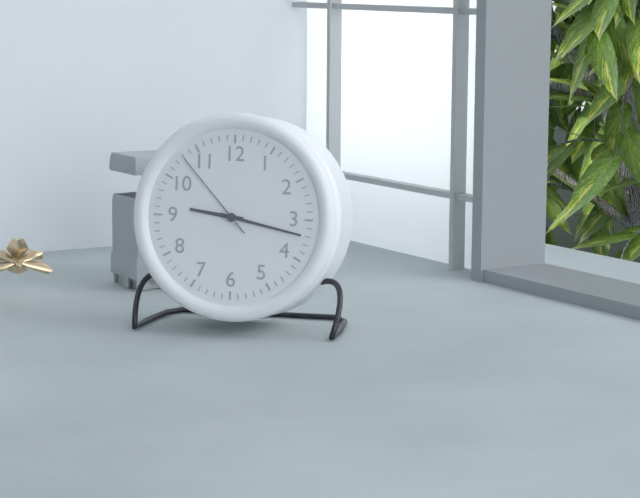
9:17:53
